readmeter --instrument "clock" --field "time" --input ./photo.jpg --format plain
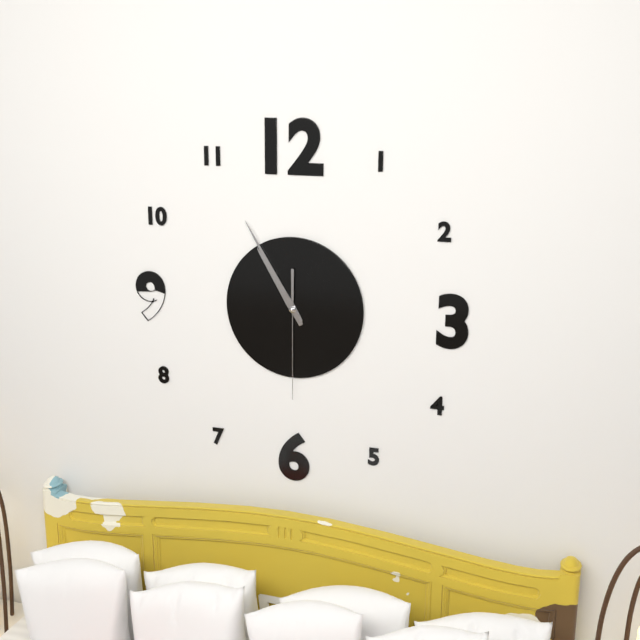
10:55:30
